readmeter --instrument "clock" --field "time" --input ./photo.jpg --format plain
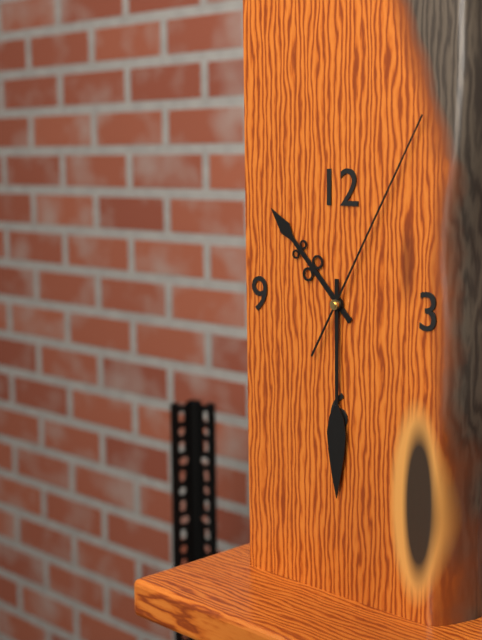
10:30:05
